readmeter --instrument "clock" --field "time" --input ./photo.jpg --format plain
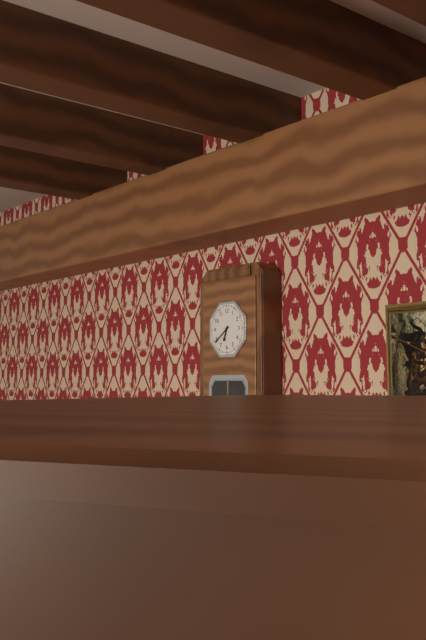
6:39
